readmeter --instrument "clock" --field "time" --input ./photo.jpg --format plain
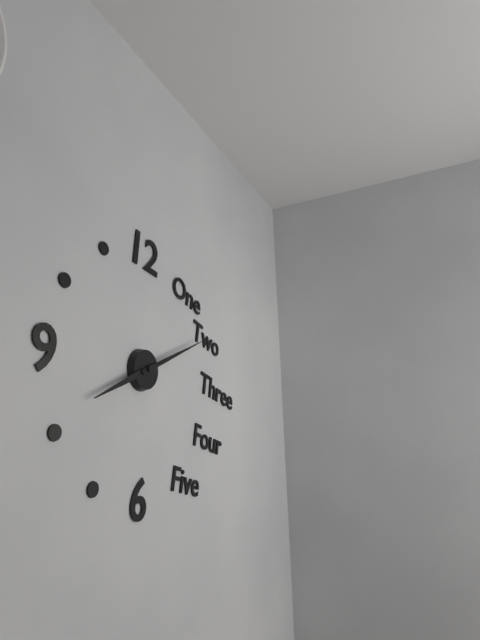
8:11
